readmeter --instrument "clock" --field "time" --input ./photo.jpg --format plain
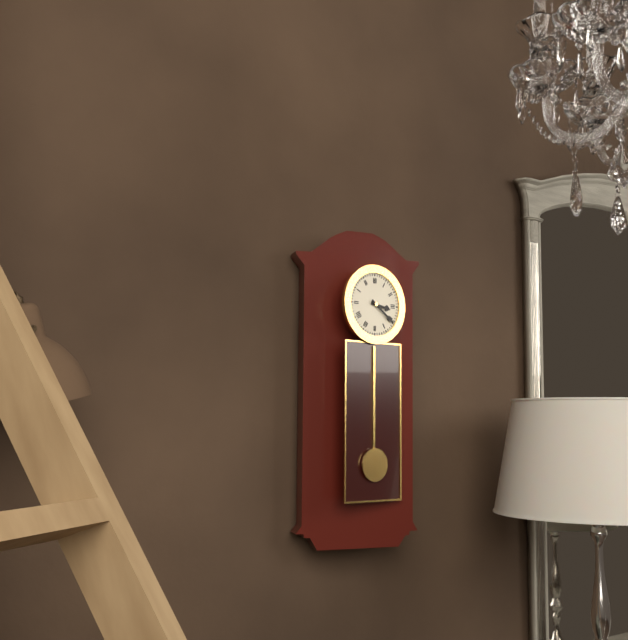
3:21
